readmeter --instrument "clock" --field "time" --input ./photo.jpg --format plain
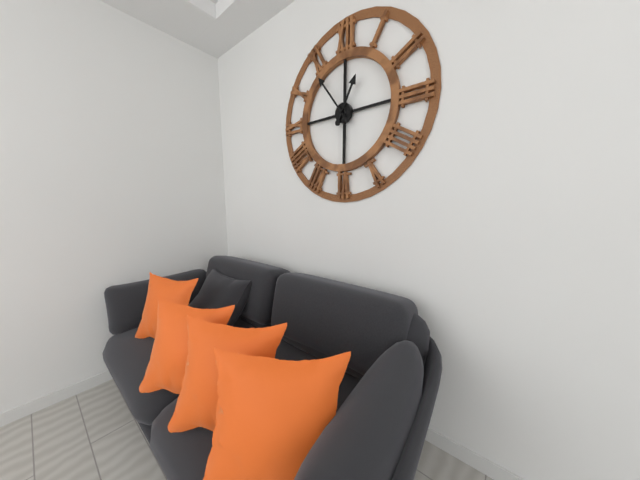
12:54
